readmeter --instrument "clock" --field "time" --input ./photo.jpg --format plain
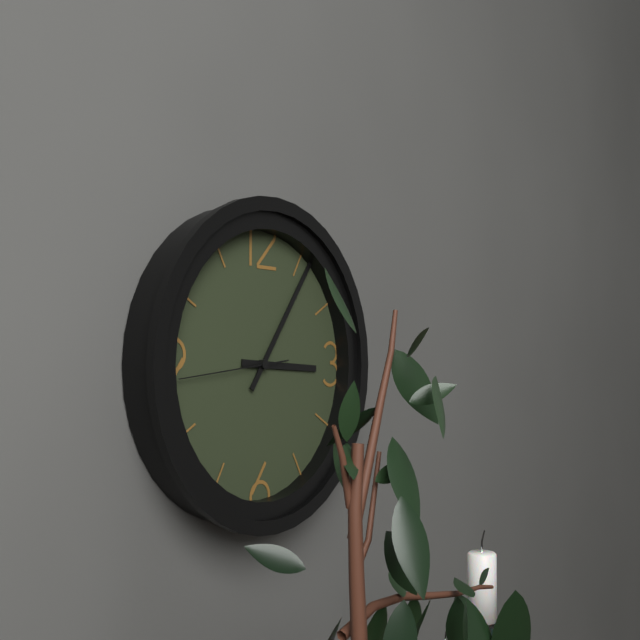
3:06:44
